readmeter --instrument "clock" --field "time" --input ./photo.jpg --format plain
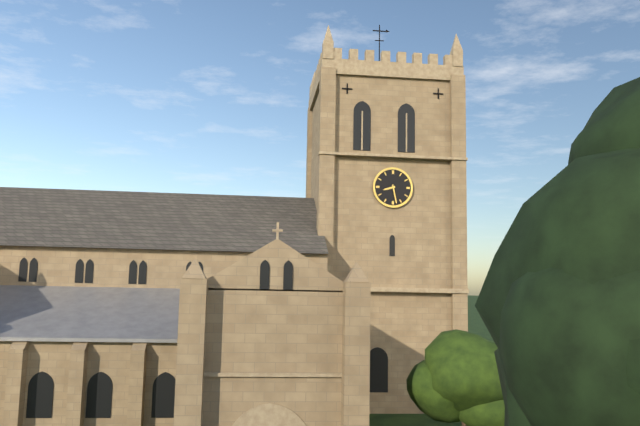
8:28
